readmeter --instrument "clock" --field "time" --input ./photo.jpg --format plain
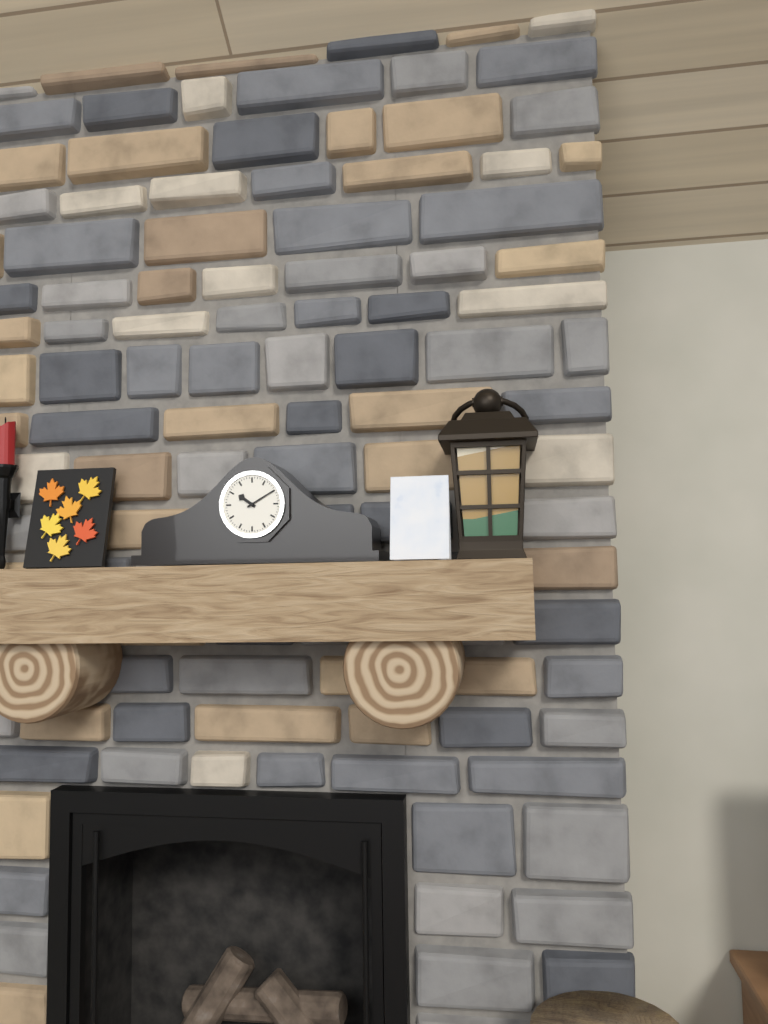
10:10
